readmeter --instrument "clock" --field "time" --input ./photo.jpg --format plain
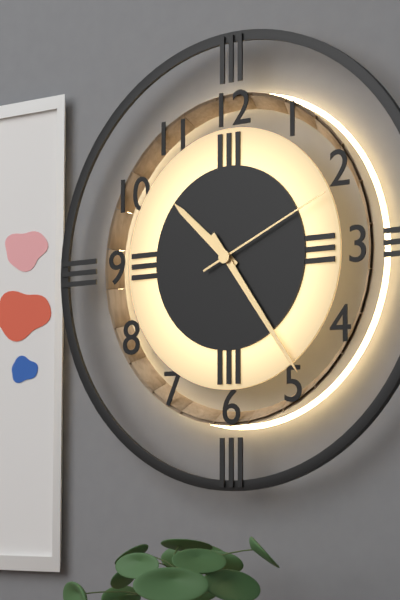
10:24:11
